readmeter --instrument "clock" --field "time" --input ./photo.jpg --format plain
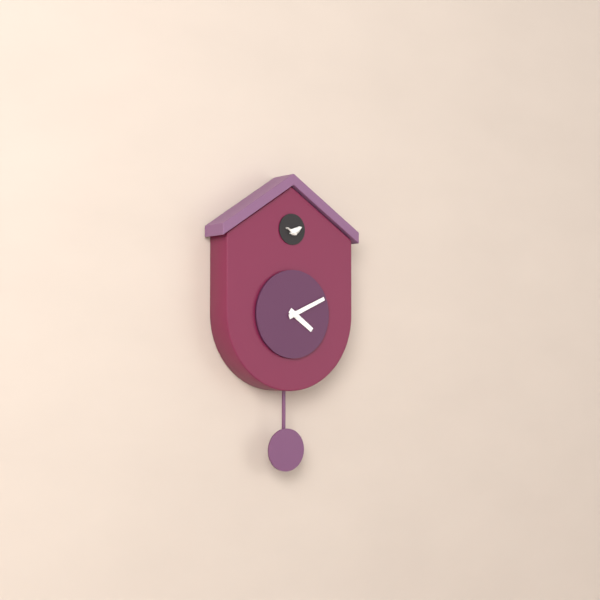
4:11
